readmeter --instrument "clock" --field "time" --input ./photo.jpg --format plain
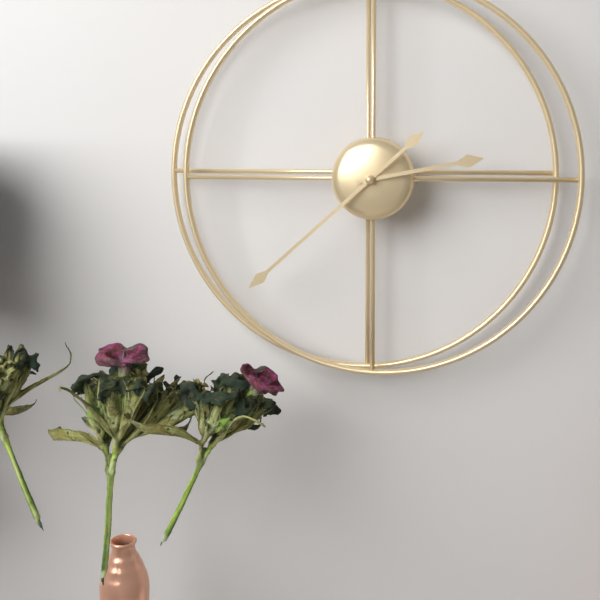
2:38
